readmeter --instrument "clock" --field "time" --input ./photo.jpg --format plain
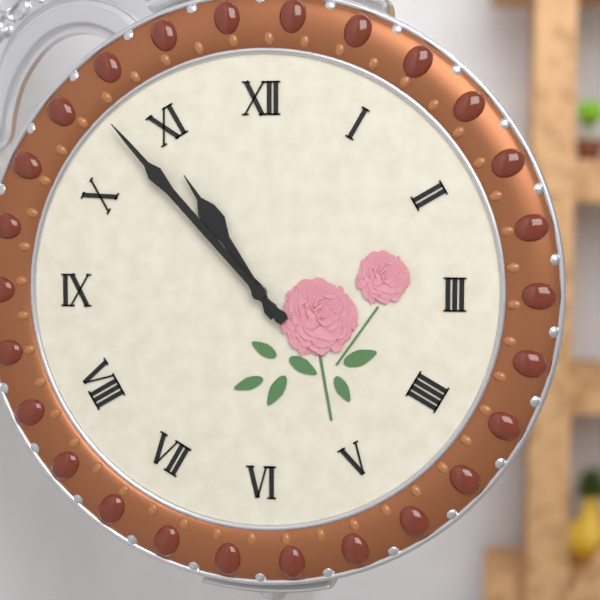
10:53
